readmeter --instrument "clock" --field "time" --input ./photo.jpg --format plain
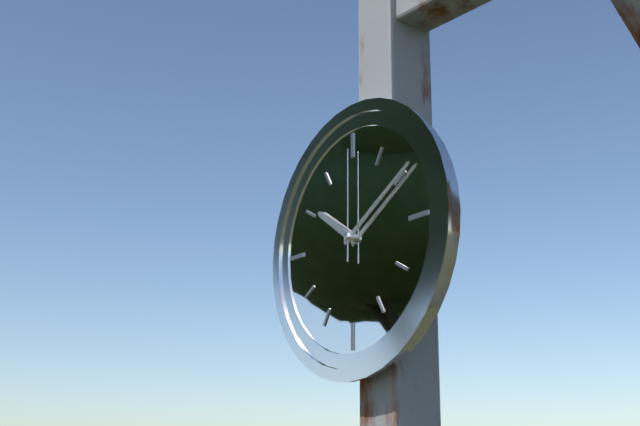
10:10:00
